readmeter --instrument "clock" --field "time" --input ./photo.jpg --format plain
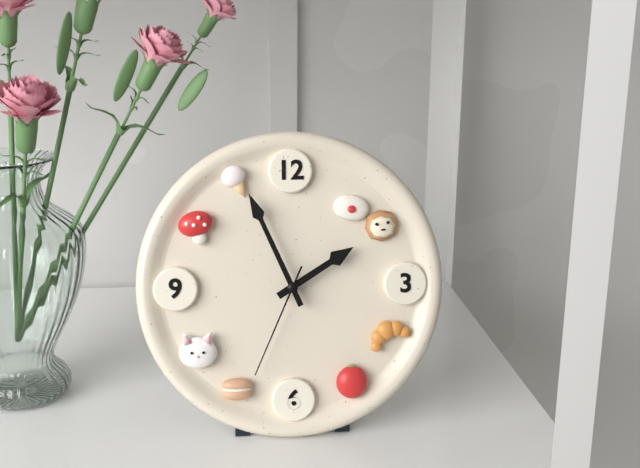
1:56:34
